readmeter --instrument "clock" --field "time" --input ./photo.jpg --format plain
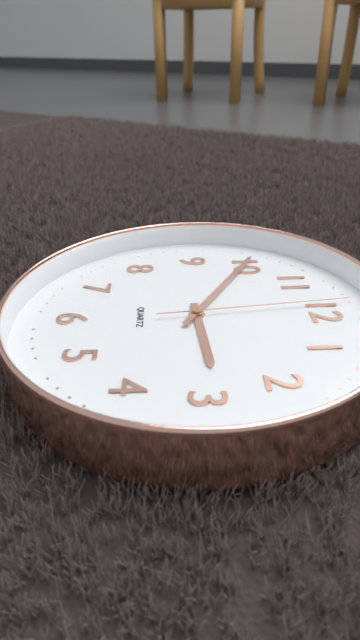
2:50:59
